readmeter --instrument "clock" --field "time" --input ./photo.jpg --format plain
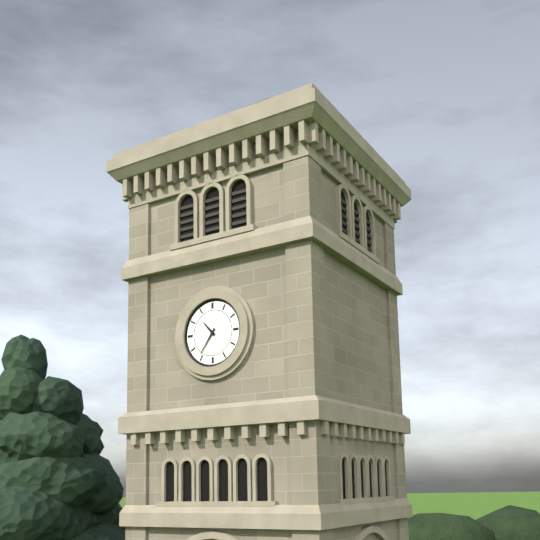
10:36
